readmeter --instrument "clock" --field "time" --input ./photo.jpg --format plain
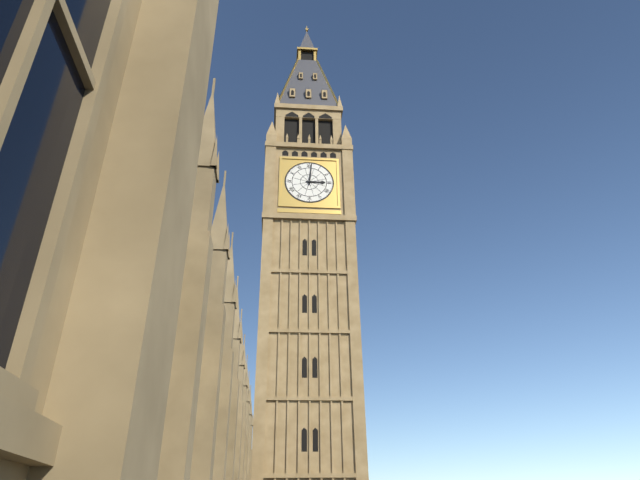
3:01
